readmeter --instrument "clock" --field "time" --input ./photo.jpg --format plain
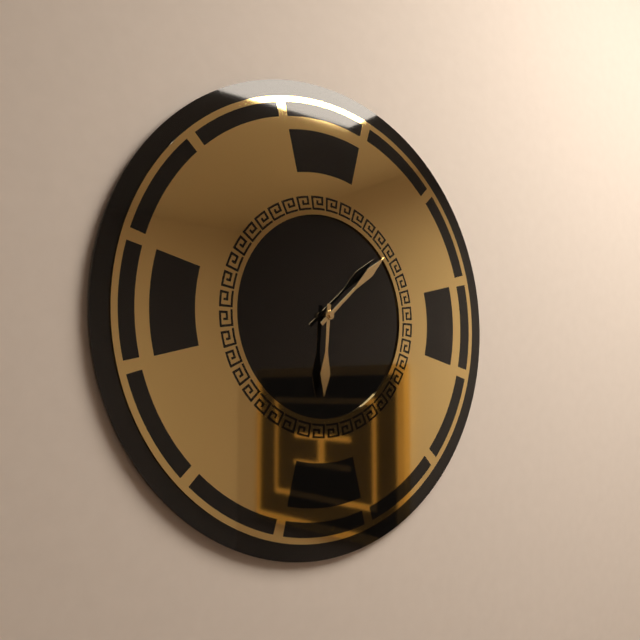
6:08
